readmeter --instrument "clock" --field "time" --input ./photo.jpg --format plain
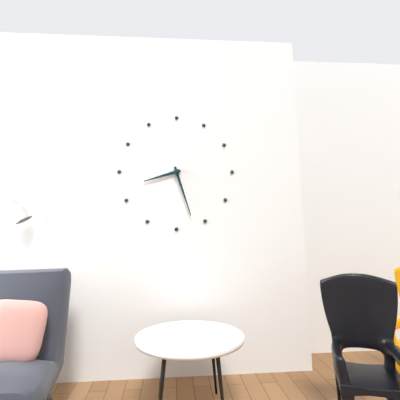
8:27
